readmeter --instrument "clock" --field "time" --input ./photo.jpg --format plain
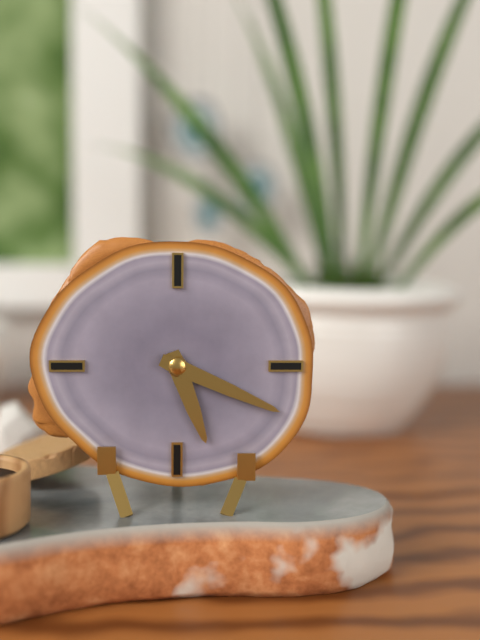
5:19
